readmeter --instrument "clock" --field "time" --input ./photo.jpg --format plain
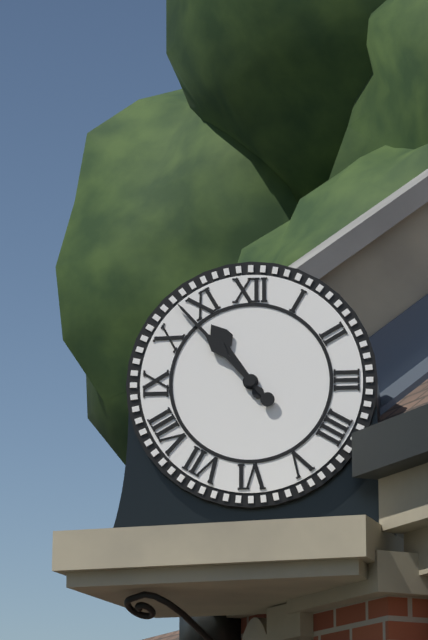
10:53
